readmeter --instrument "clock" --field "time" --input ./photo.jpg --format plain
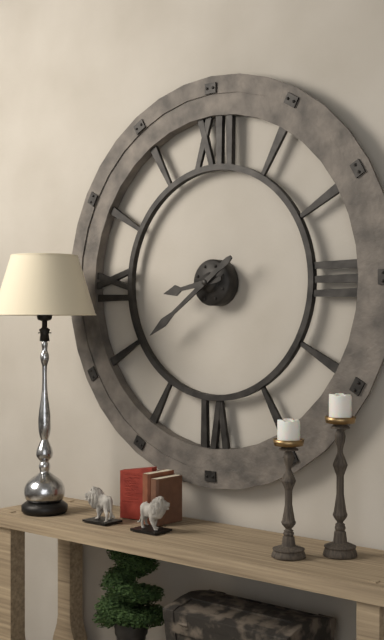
8:39
